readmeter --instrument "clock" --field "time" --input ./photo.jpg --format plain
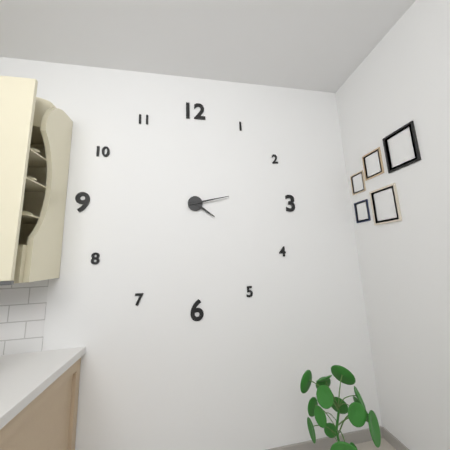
4:13
